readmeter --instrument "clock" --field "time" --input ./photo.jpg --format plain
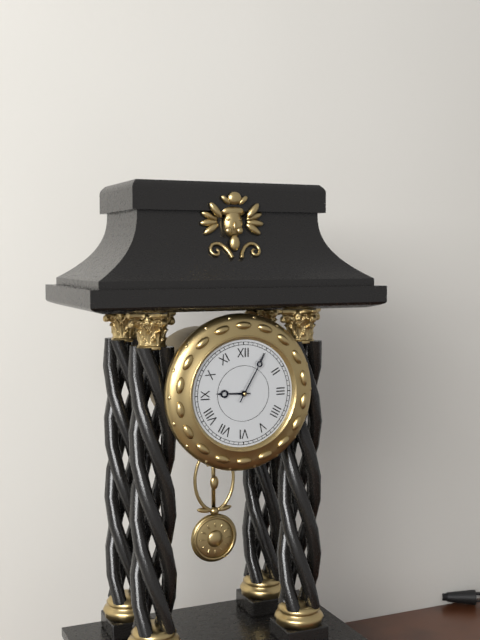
9:05
